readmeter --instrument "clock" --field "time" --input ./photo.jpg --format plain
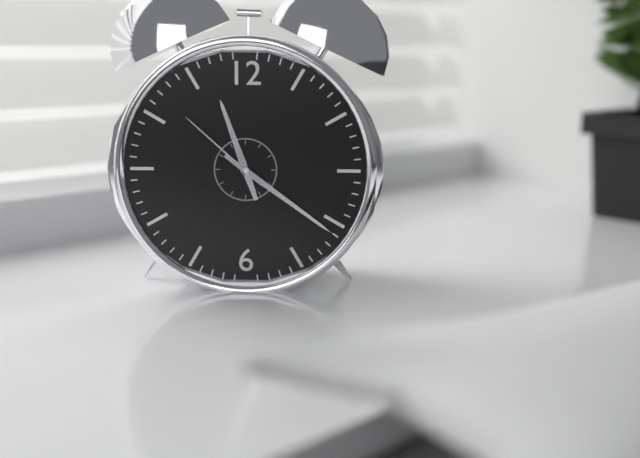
11:21:52
